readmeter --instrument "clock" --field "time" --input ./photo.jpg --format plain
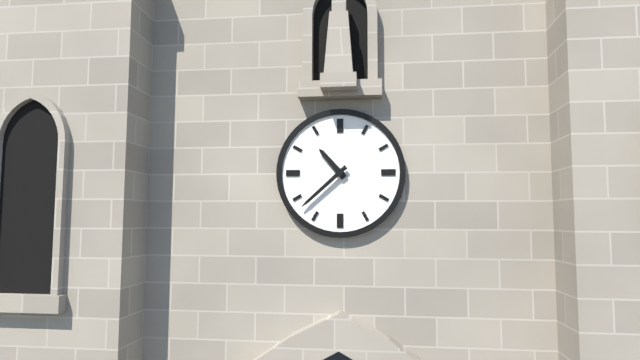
10:38
